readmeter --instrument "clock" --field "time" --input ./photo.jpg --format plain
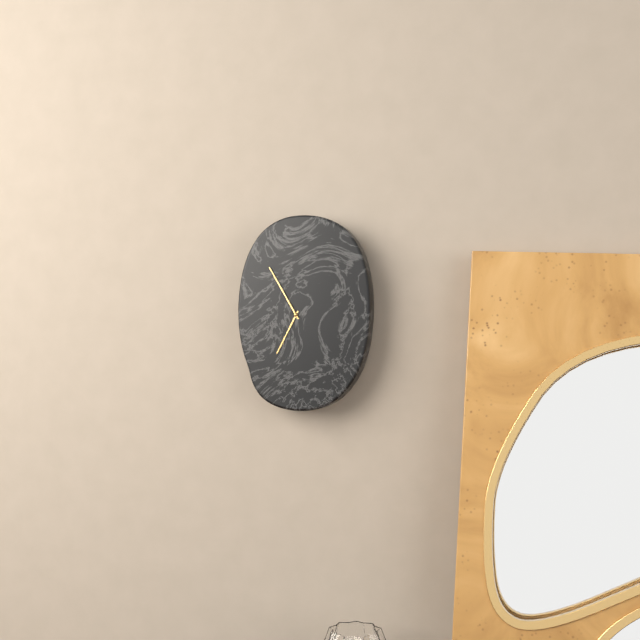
6:55
